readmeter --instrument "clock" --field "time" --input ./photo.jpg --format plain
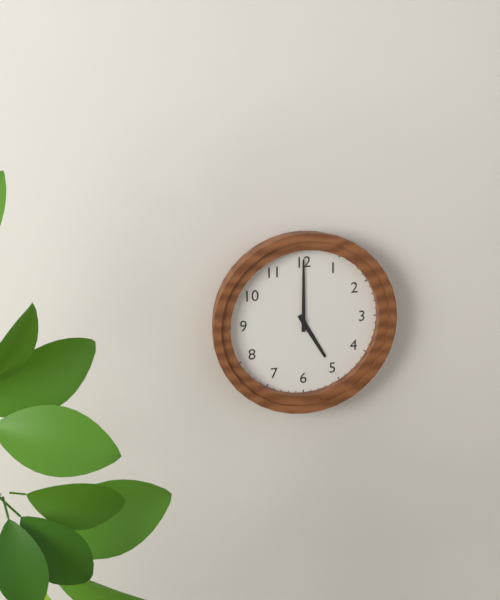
5:00
